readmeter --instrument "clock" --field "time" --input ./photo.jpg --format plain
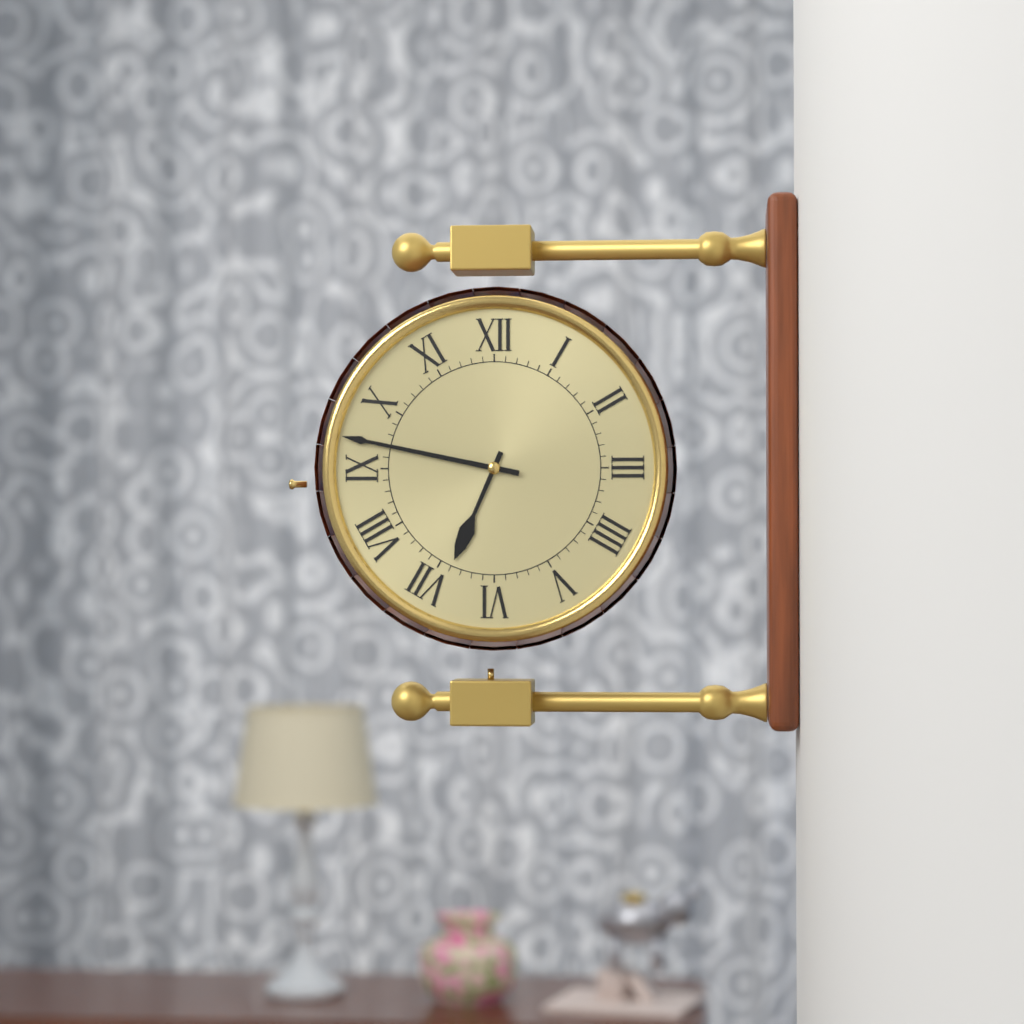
6:47
